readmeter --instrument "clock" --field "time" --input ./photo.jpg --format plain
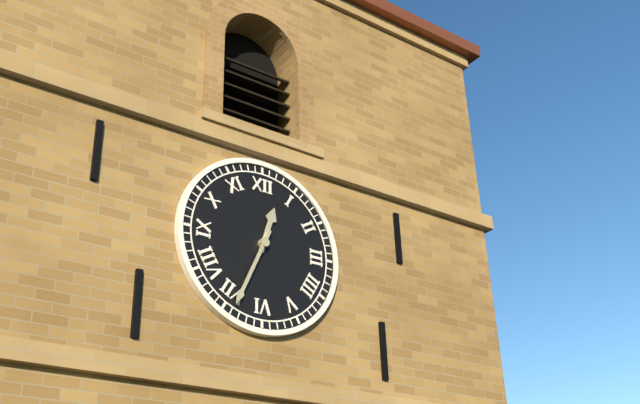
12:34
